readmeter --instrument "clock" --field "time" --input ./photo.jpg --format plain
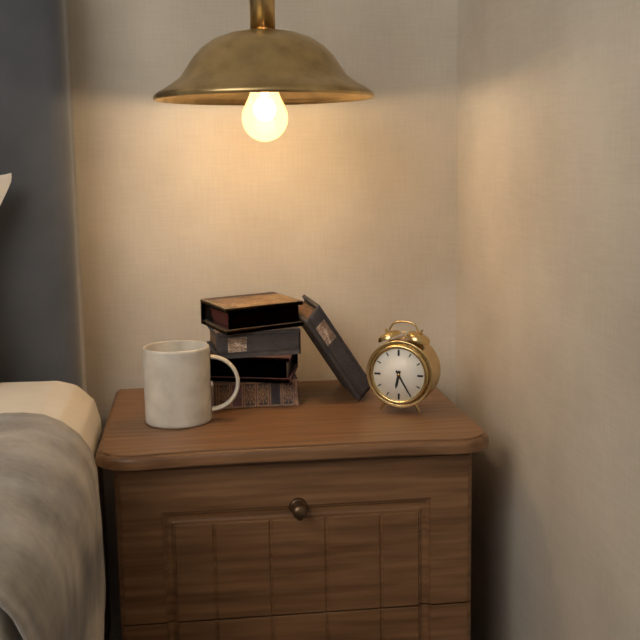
6:25
